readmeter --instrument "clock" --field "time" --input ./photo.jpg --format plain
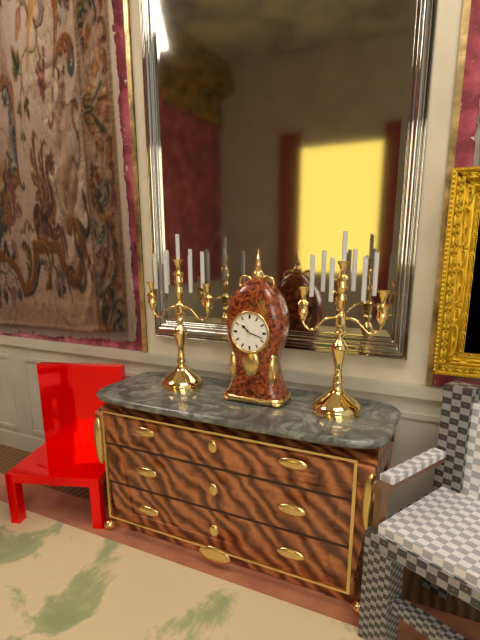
10:18
